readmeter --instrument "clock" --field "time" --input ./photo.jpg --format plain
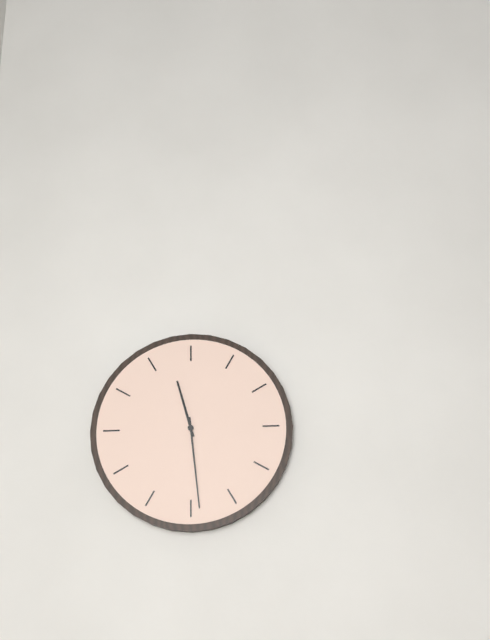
11:29
